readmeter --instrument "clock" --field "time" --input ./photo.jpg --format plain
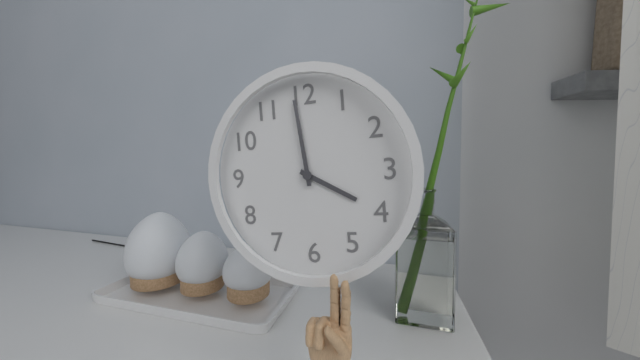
3:59
